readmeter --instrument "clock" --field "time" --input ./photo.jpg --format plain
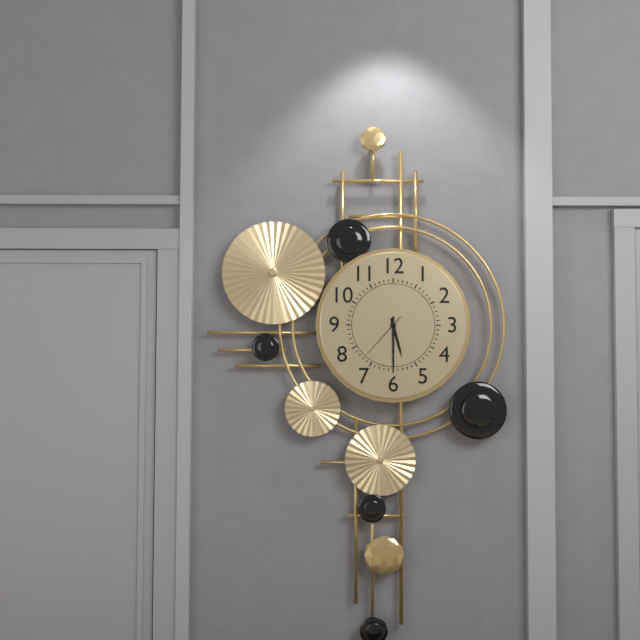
5:30
